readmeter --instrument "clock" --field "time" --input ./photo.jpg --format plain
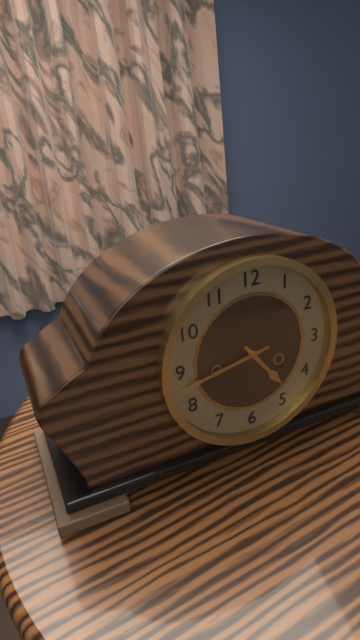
4:43
